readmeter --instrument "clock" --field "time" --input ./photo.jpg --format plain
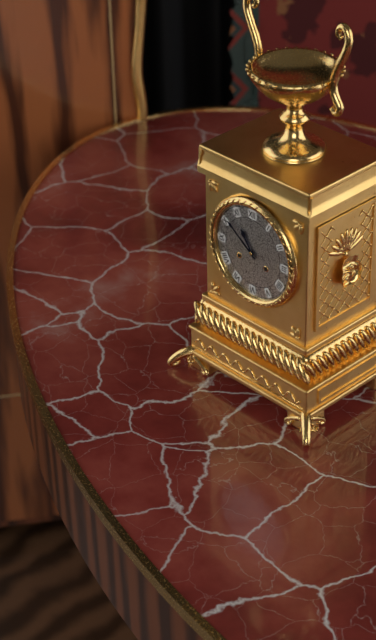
10:51
